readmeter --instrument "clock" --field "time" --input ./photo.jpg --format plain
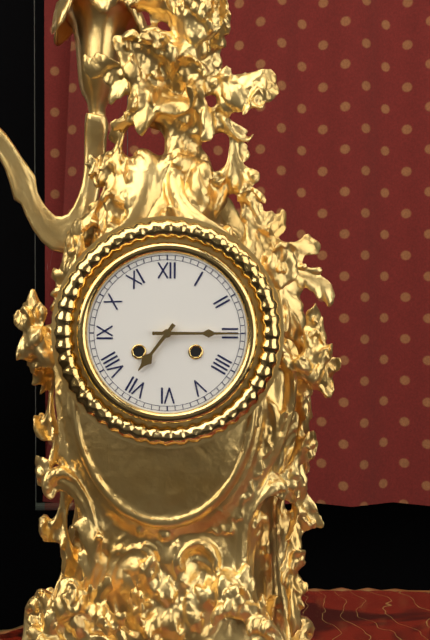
7:15
